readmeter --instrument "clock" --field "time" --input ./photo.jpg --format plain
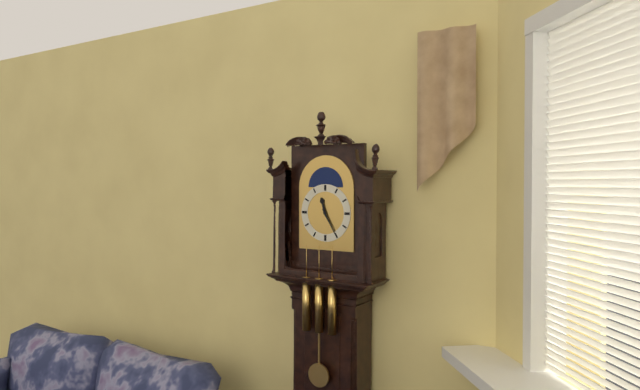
11:25
